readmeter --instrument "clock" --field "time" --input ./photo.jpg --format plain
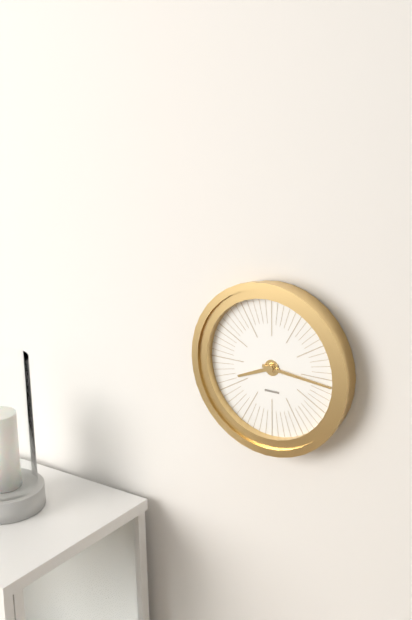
8:16
